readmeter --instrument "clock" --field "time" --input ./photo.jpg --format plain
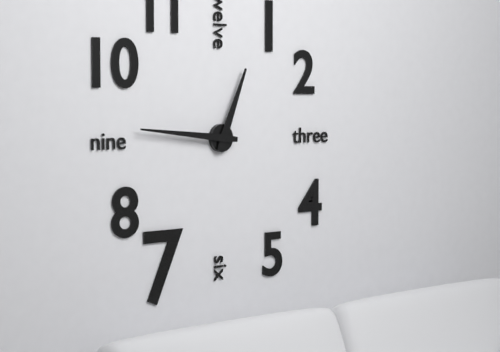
12:46
